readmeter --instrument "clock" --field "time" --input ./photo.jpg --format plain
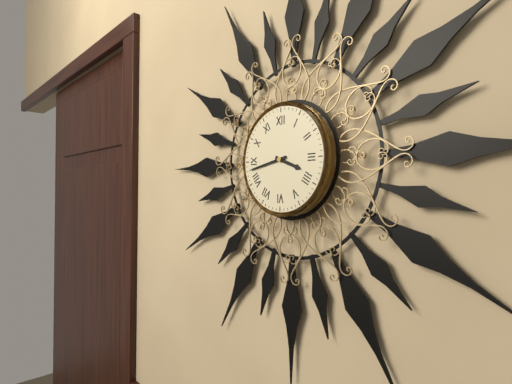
3:43
